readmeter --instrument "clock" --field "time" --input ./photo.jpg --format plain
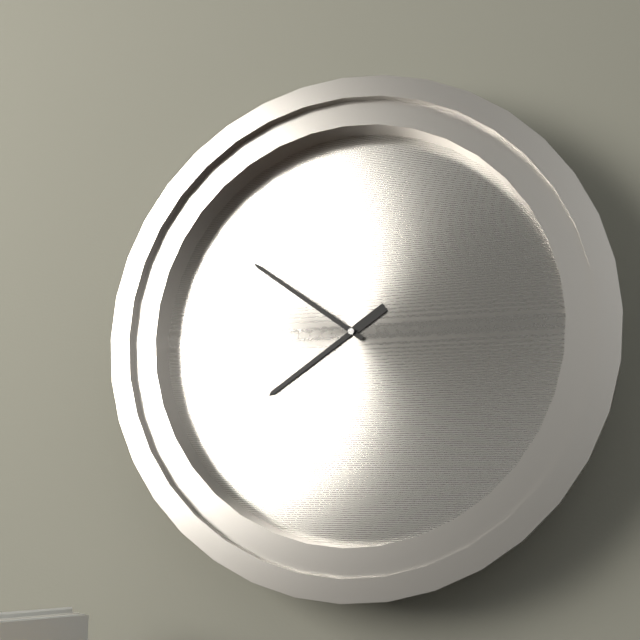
7:51
